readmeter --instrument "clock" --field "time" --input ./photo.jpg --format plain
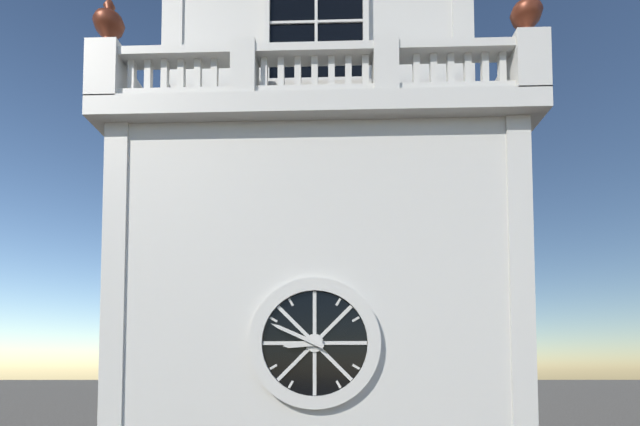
8:49
